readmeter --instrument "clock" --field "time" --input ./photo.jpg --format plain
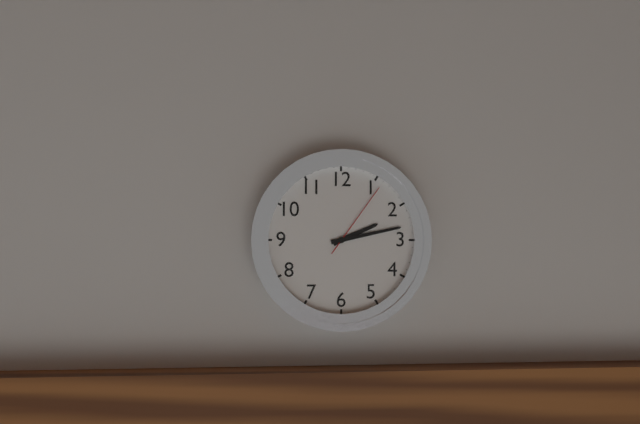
2:13:06
